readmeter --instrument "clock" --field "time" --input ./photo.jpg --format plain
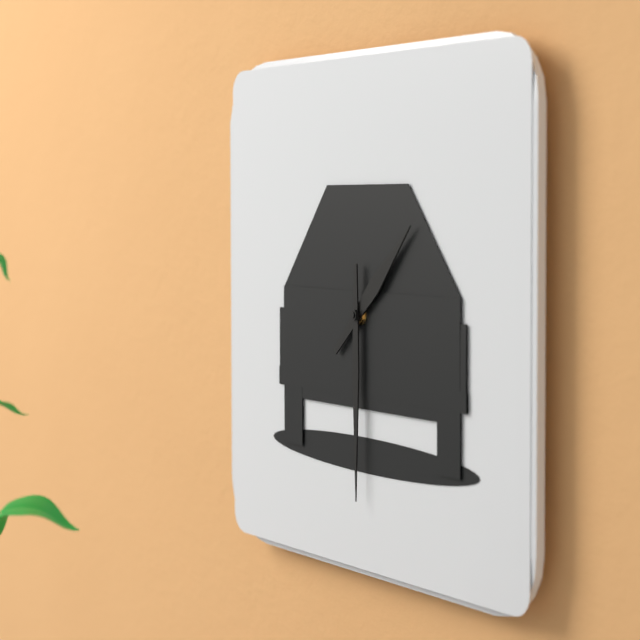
1:30
